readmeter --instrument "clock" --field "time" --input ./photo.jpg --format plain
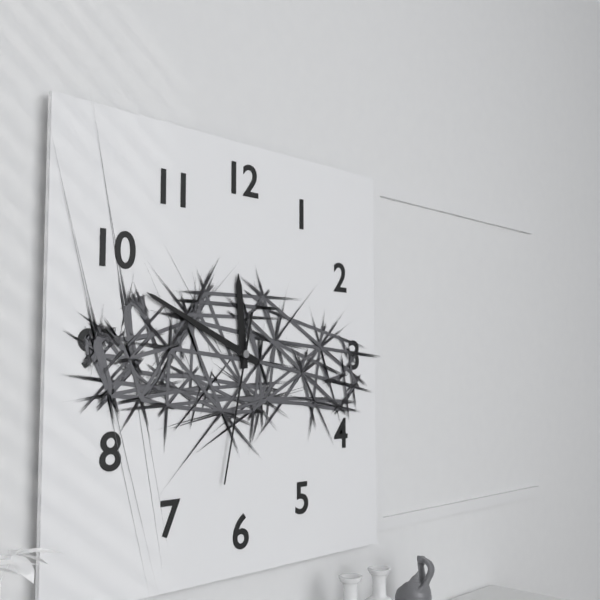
11:49:32
